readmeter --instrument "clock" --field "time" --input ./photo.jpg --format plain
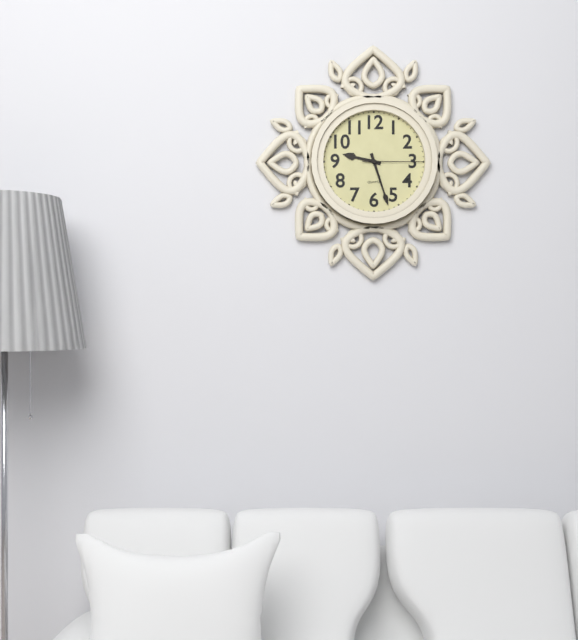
9:27:15
